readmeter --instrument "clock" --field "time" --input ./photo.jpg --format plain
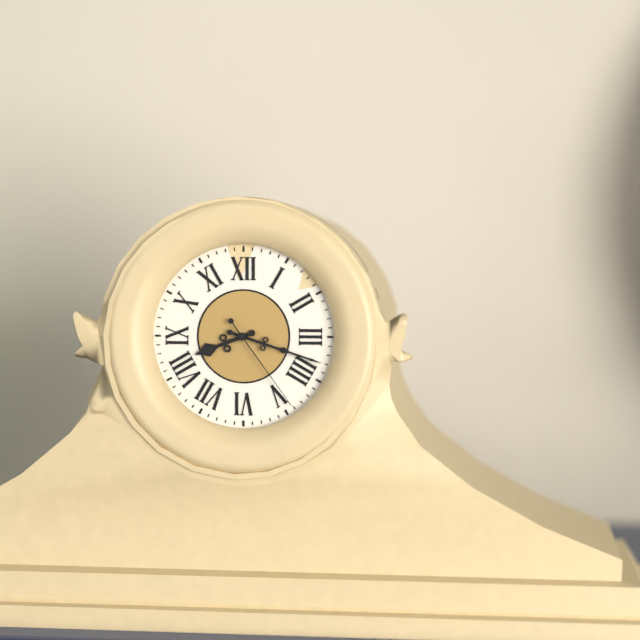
8:18:24
